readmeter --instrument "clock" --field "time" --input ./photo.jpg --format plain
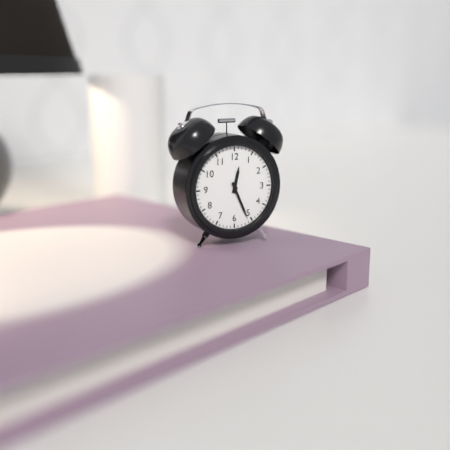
12:26
